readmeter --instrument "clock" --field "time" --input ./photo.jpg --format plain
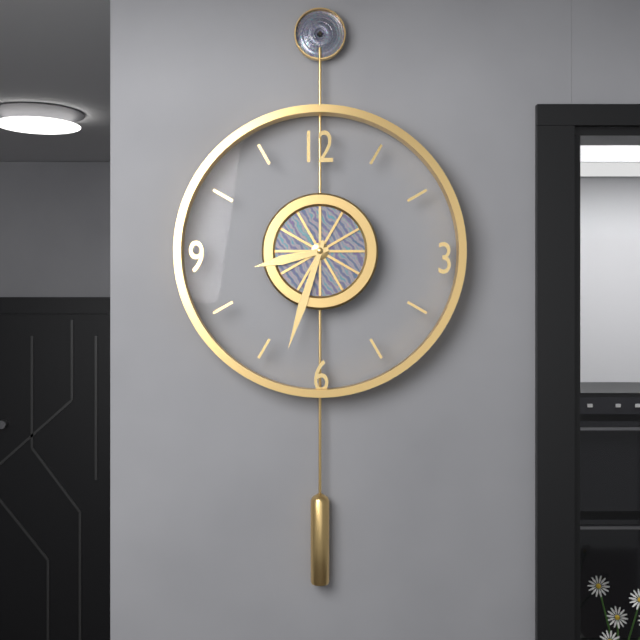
8:33
